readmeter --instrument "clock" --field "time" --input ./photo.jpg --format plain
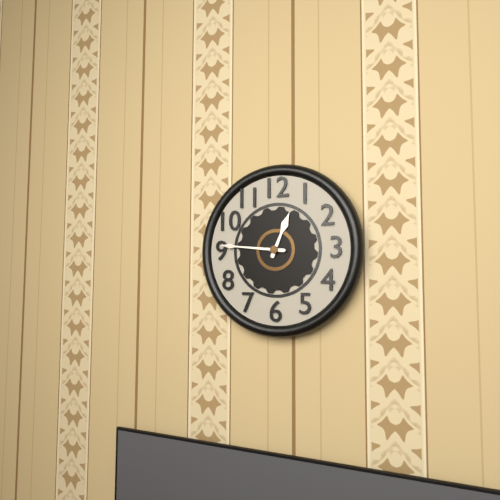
12:46
